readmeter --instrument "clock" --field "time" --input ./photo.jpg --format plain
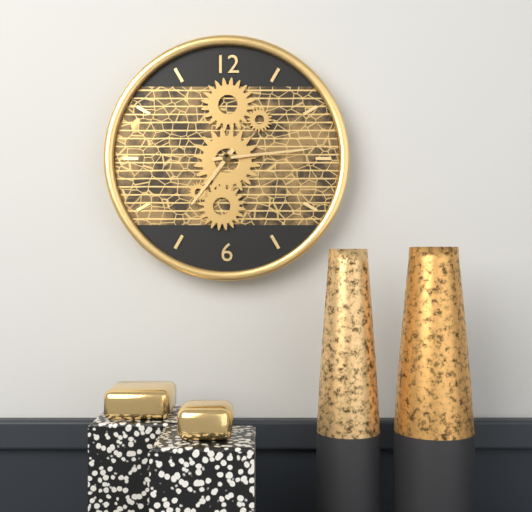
7:14
